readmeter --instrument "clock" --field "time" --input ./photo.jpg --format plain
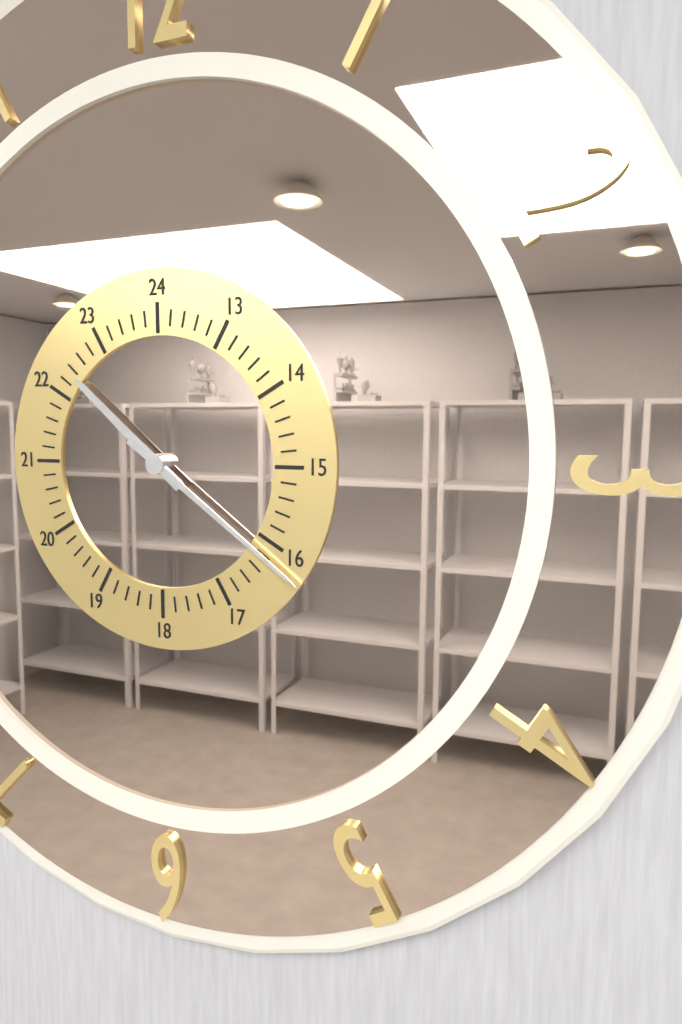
10:21
